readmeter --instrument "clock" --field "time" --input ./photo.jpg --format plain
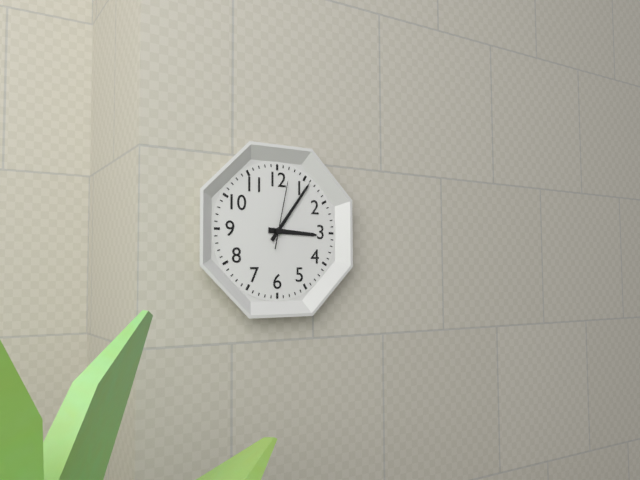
3:06:02
